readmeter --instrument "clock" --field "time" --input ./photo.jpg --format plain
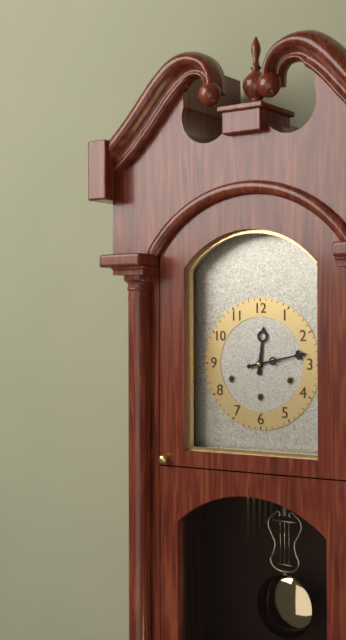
12:13
